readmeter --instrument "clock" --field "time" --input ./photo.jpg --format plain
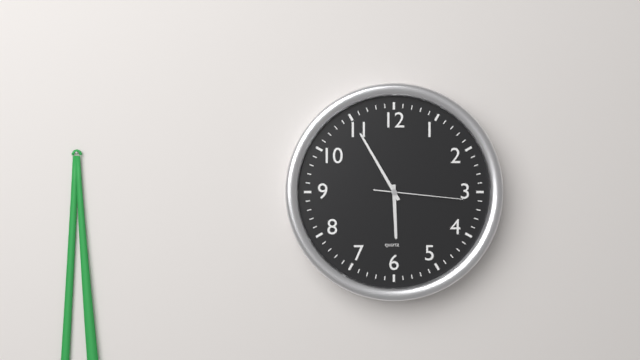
5:55:16
